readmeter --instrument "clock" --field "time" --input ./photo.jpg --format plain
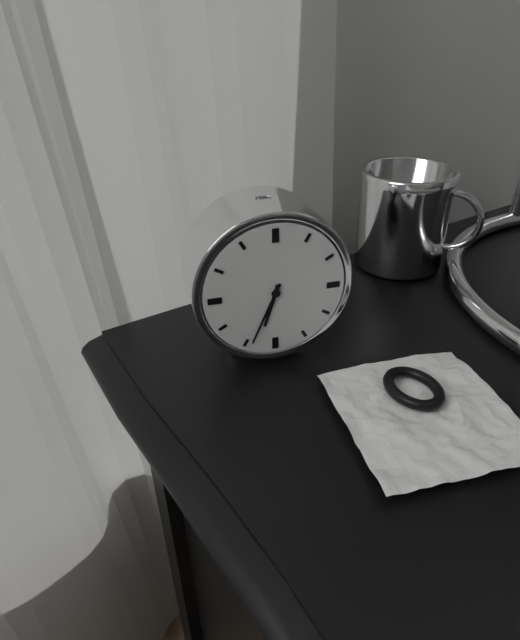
6:34
